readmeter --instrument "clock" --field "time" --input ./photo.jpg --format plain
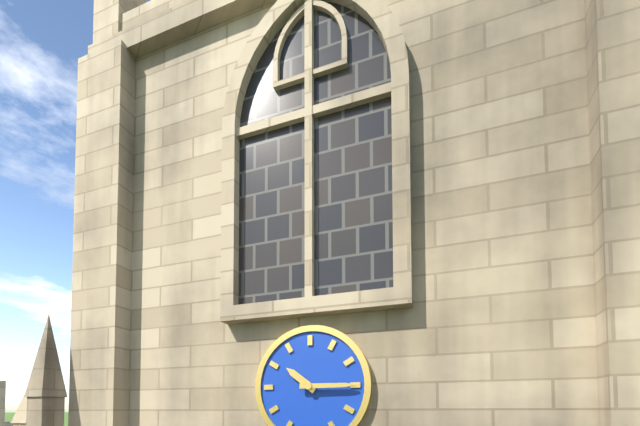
10:15
